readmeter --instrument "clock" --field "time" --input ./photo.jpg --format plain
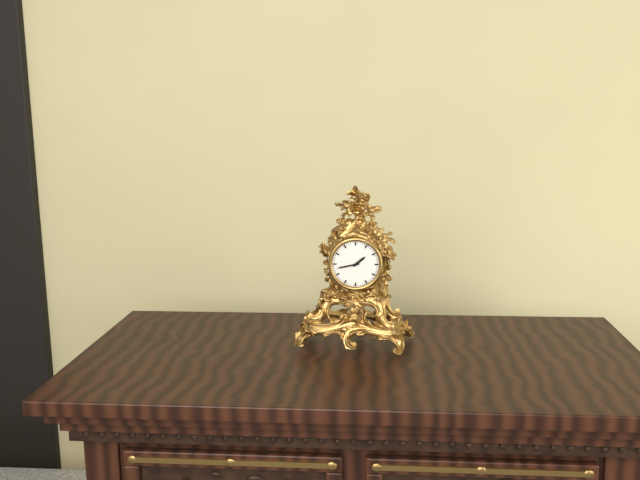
1:43
